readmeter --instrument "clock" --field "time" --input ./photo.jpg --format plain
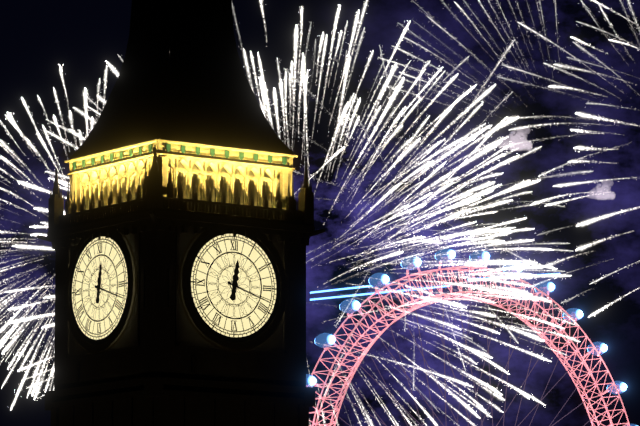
12:18
